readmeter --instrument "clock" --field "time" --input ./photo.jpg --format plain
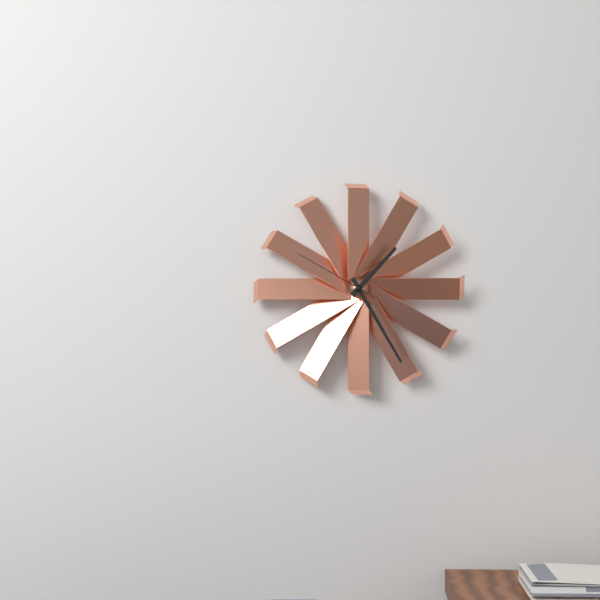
1:25:50
